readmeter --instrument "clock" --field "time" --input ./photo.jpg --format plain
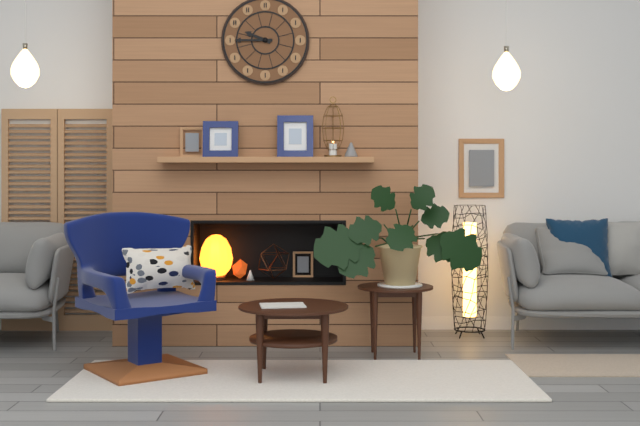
9:45
